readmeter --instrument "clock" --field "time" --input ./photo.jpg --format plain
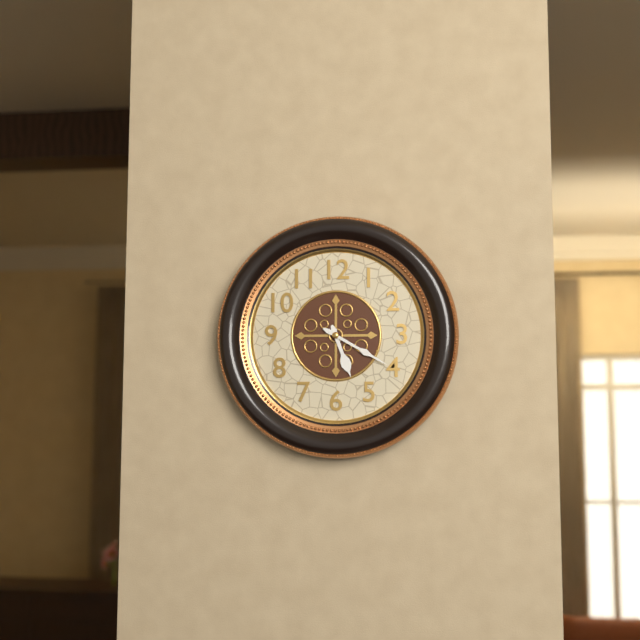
5:20
